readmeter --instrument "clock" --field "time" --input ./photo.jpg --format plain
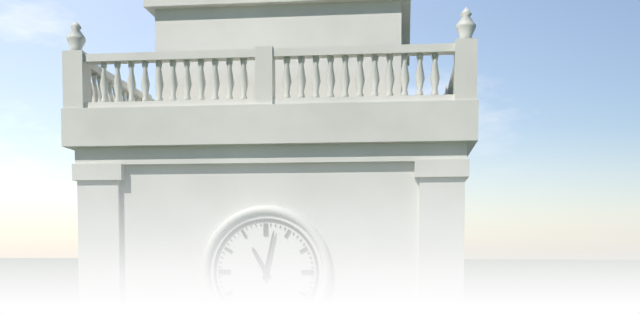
11:02
